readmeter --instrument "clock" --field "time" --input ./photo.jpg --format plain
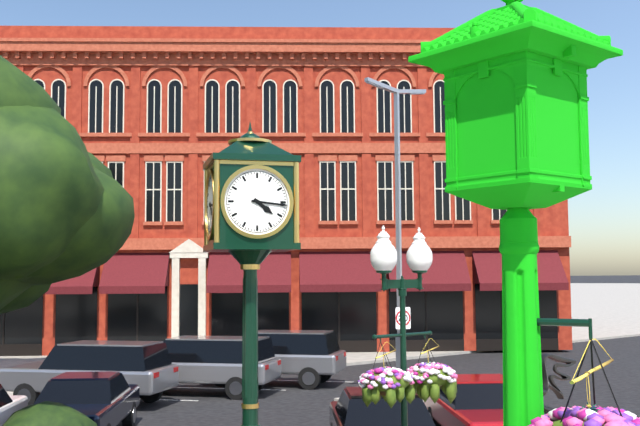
4:16
